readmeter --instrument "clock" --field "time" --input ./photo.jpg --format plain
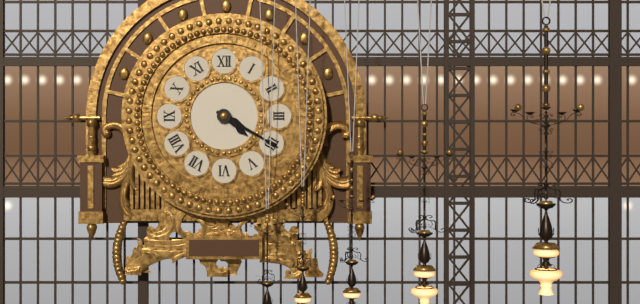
4:20
